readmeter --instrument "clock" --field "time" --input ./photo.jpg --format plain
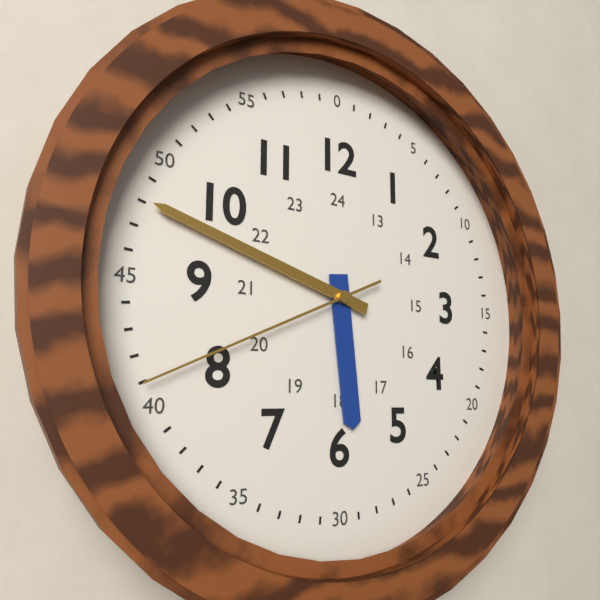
5:48:41
